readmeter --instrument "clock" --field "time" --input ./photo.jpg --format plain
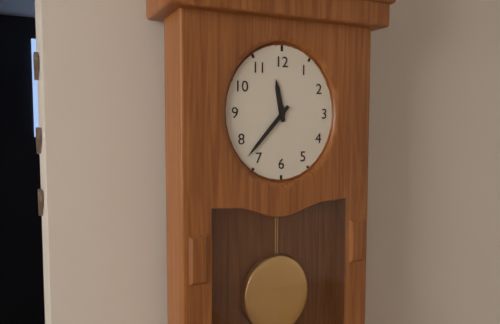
11:37
